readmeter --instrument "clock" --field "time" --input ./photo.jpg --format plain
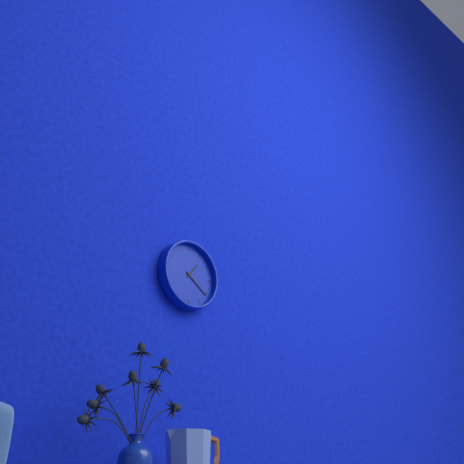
1:21
